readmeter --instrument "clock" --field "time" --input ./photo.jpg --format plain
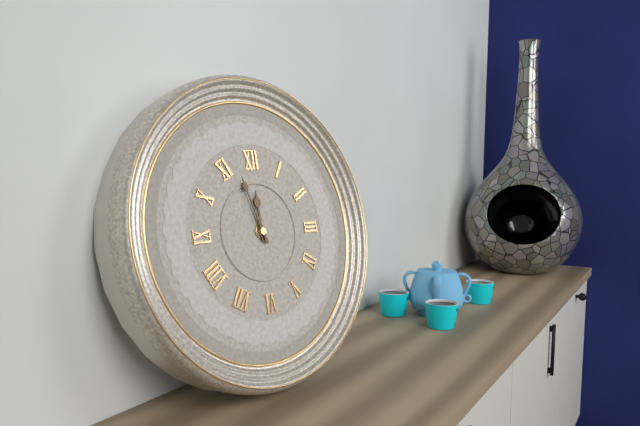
11:57
